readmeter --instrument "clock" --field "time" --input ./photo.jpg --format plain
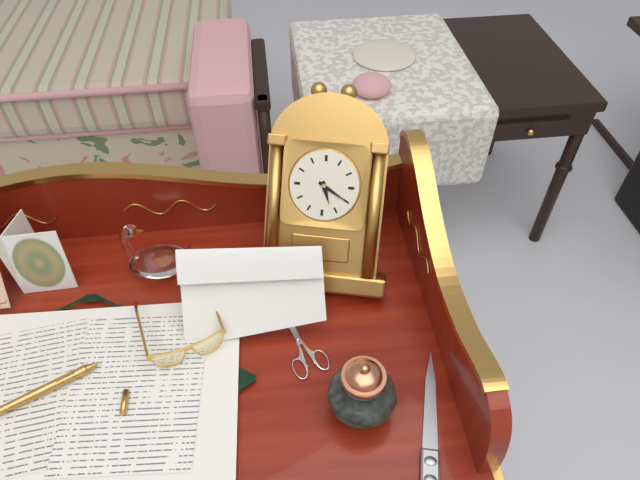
5:20
